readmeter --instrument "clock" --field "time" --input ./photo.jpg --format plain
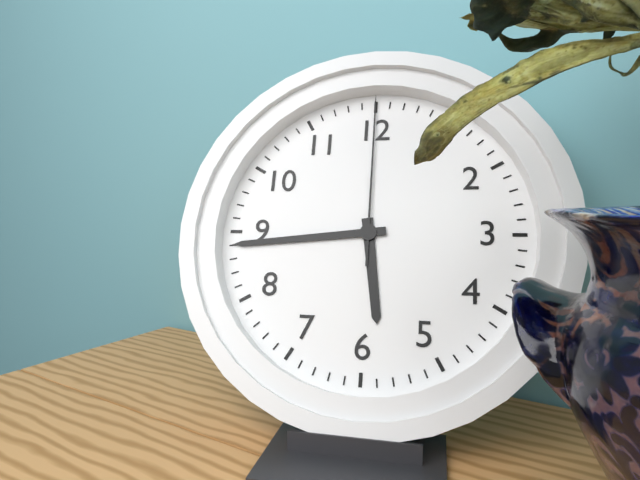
5:44:00
